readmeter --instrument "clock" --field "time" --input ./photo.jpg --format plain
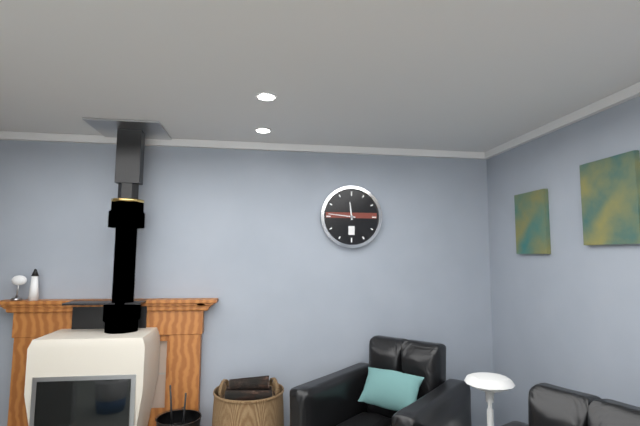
11:46
